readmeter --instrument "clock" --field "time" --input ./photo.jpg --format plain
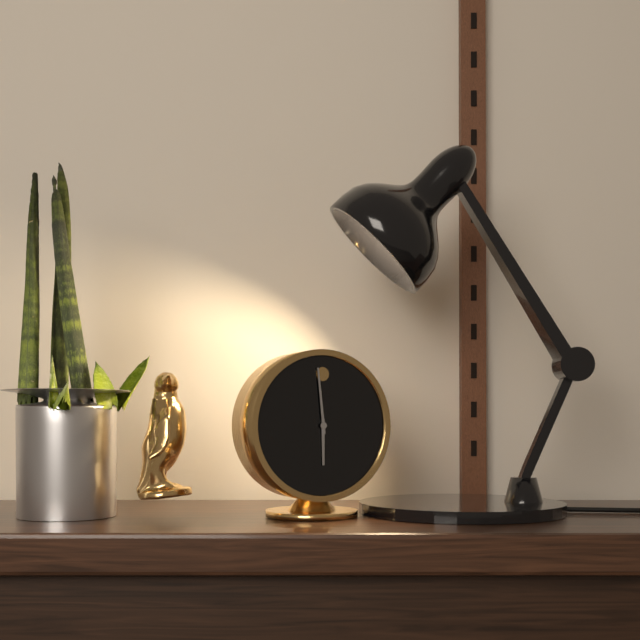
5:59
